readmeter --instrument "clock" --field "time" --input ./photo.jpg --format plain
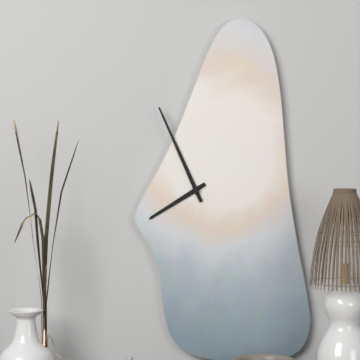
7:56
